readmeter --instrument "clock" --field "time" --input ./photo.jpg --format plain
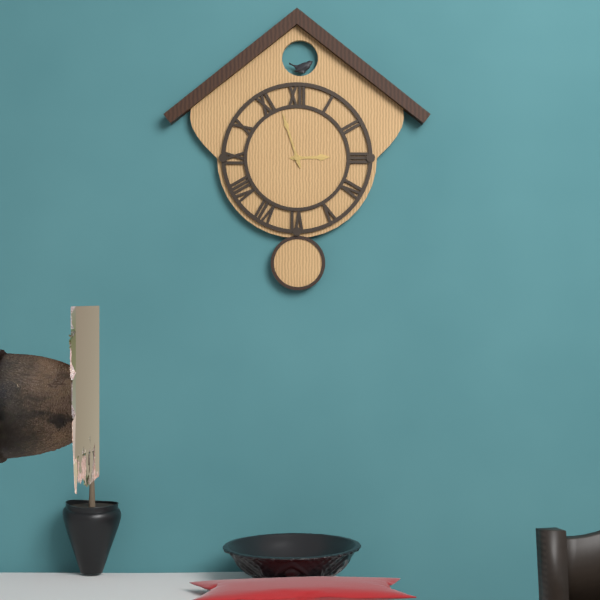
2:57
